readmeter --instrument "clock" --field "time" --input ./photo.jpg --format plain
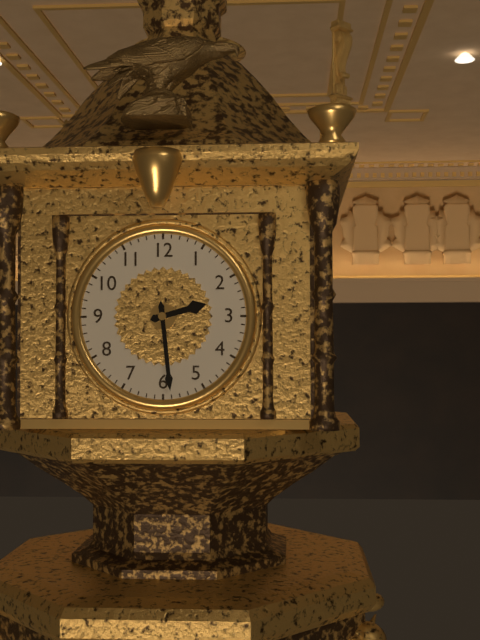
2:29
